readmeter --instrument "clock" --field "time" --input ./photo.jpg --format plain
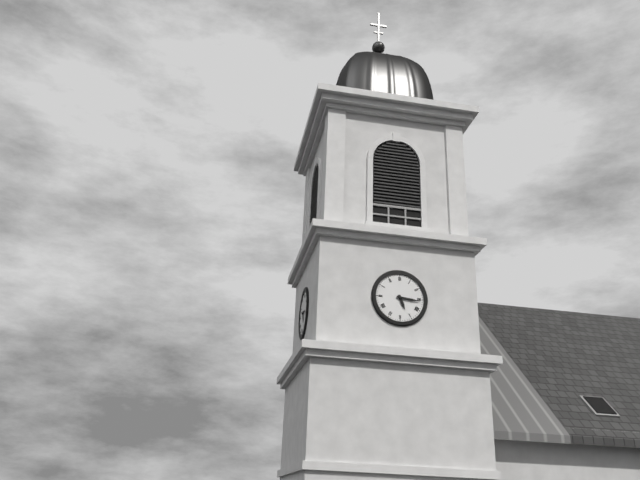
5:16
